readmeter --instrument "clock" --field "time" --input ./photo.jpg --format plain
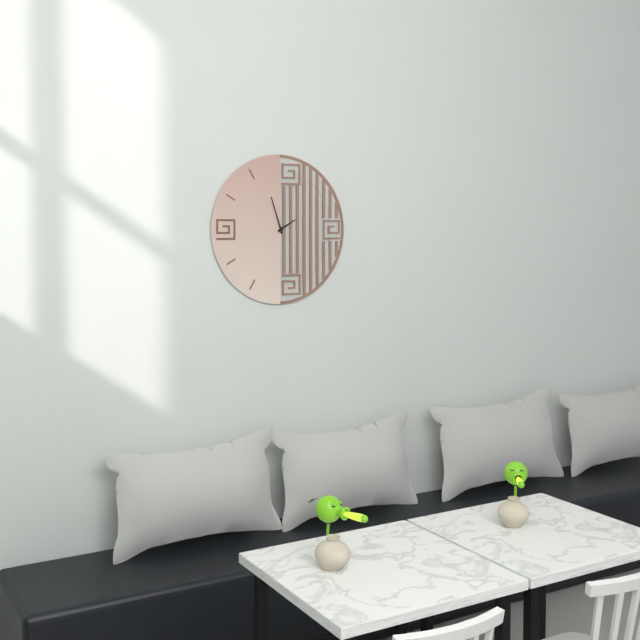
1:57
